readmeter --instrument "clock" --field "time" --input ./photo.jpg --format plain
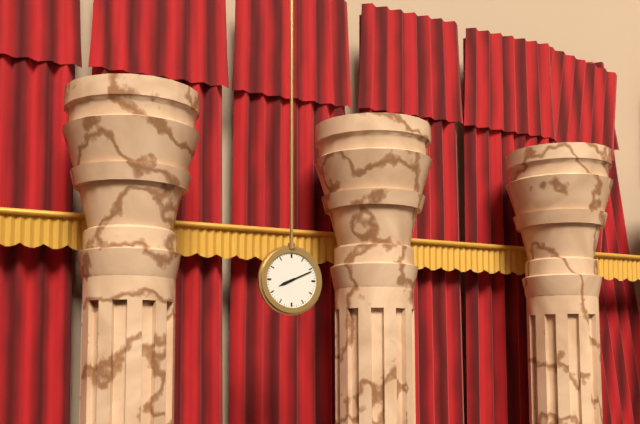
8:11
